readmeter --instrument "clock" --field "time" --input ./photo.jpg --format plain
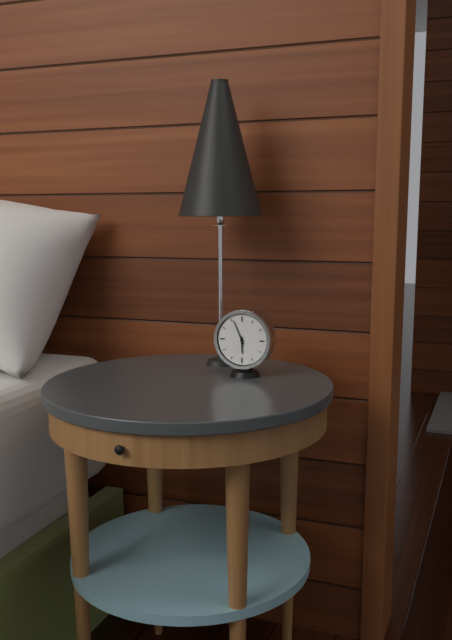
5:56
